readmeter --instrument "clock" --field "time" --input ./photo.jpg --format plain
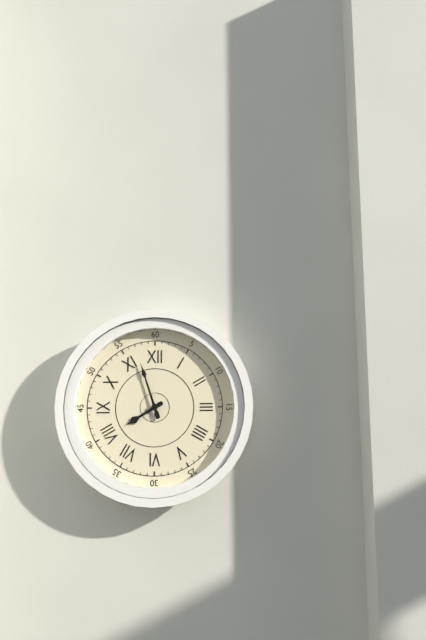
7:57
